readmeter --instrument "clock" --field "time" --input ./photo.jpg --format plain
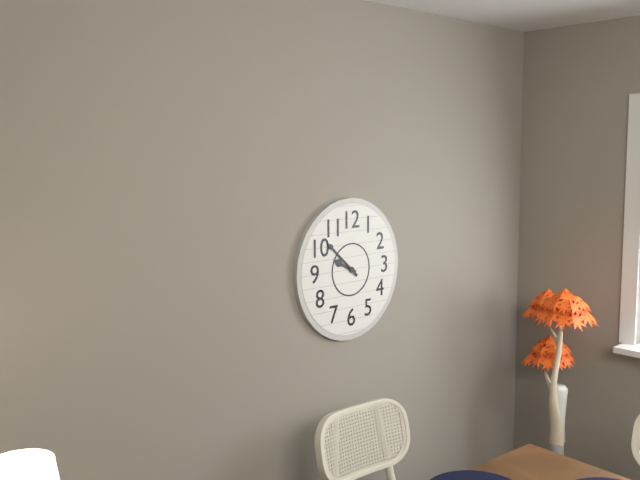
9:52
